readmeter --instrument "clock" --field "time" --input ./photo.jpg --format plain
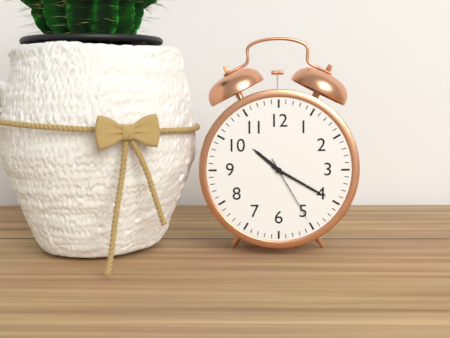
10:20:25
